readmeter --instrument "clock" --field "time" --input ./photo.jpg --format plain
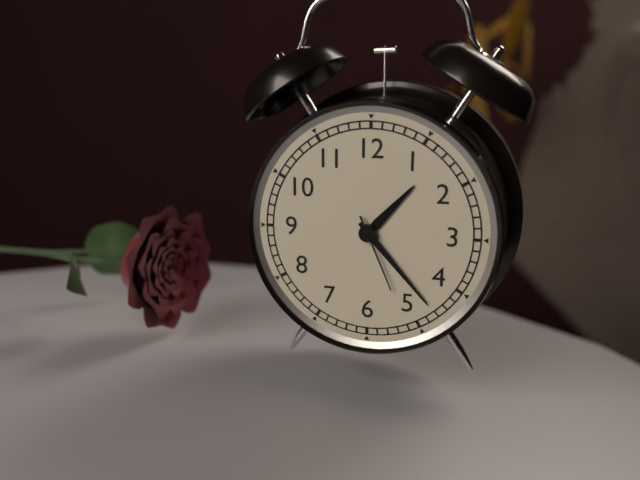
1:23:26
